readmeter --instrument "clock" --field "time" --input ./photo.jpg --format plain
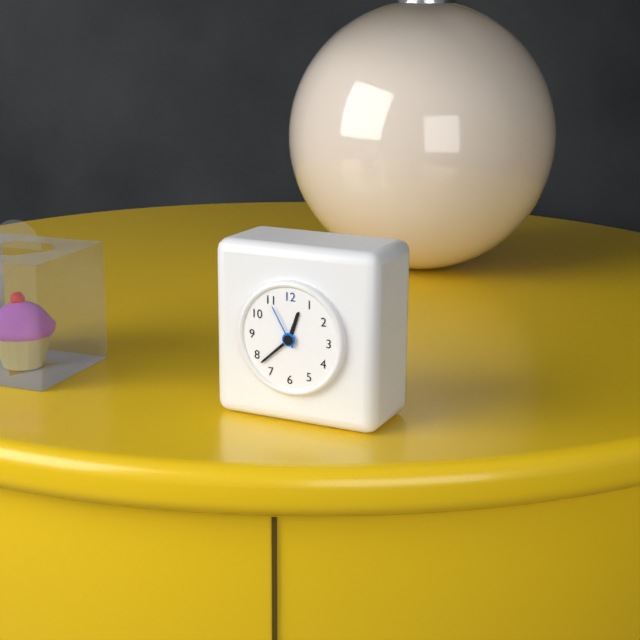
12:38
